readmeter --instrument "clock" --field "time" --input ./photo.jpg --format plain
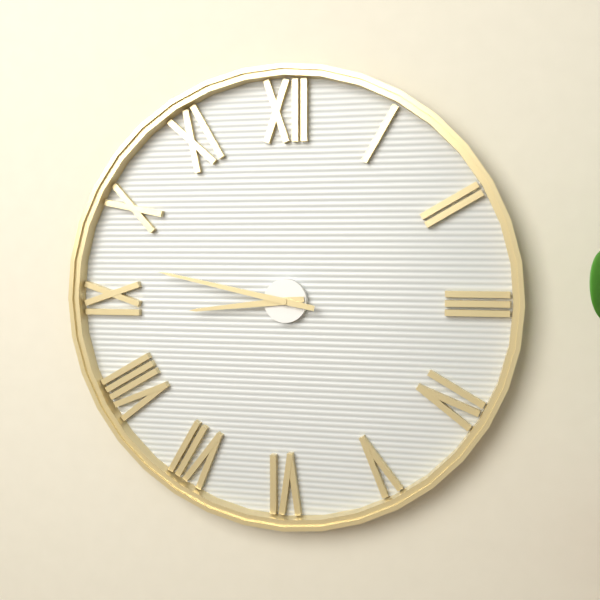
8:47
